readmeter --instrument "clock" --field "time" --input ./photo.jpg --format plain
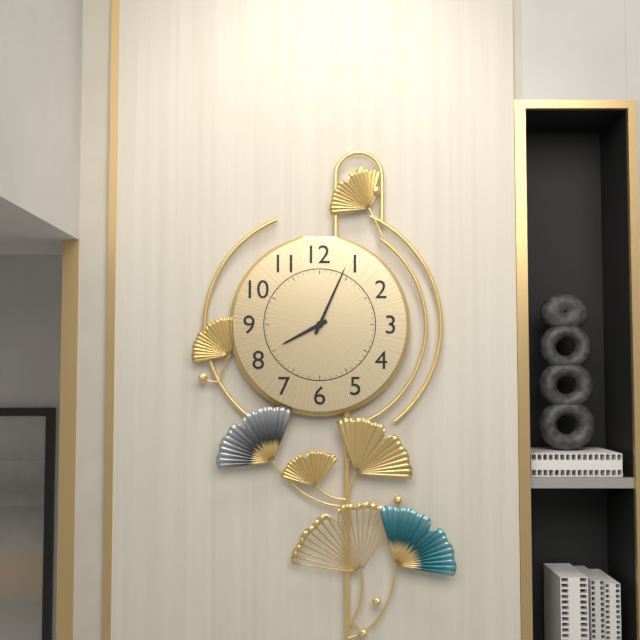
8:04
